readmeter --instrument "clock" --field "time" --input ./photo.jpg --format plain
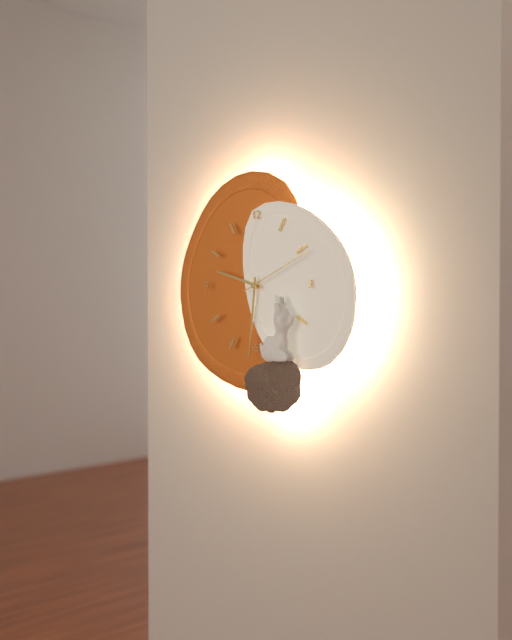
9:31:11
